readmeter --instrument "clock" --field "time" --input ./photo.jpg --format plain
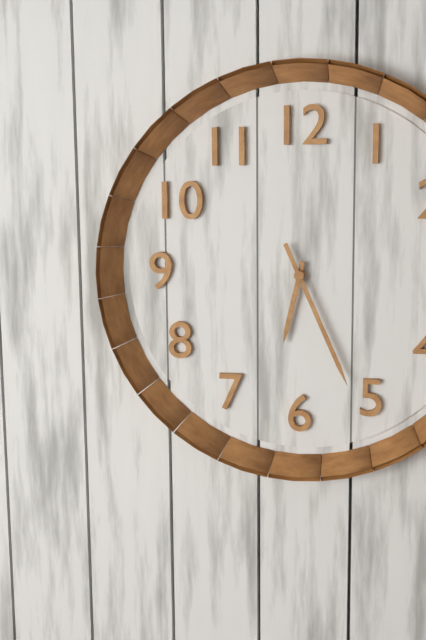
6:26
